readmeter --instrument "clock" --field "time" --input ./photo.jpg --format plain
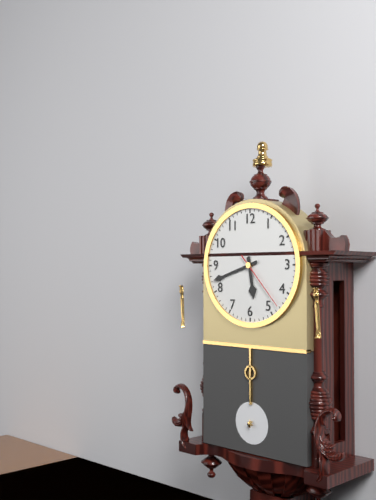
5:42:23
